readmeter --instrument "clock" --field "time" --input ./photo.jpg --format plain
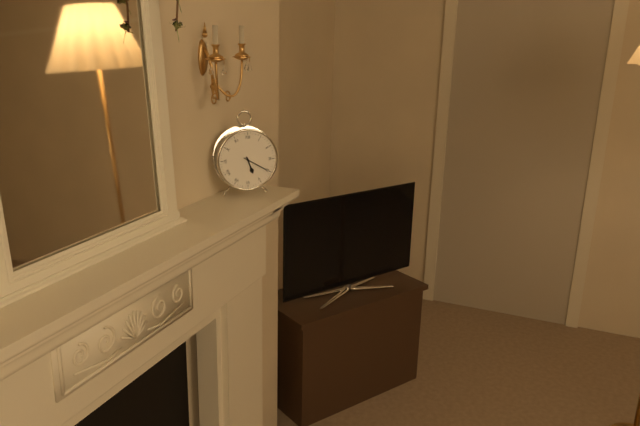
5:20
